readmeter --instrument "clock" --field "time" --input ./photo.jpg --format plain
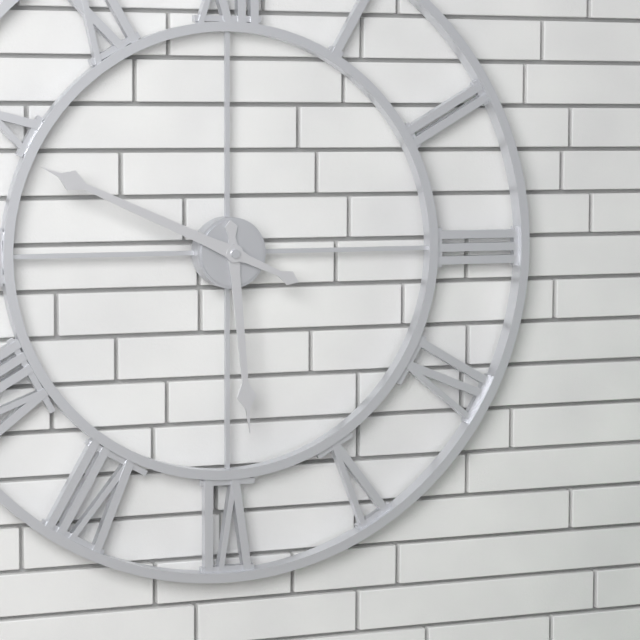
5:49
